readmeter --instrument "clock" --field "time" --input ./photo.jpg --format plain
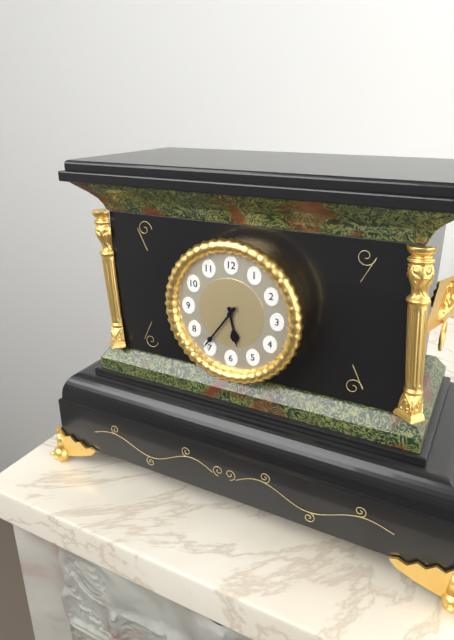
5:36
